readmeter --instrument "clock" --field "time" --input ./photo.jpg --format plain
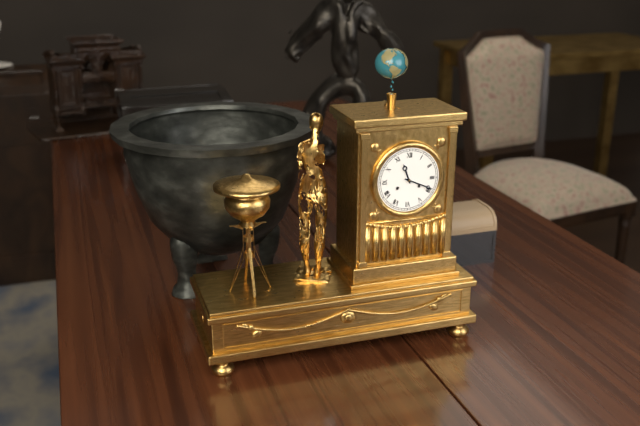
11:19
